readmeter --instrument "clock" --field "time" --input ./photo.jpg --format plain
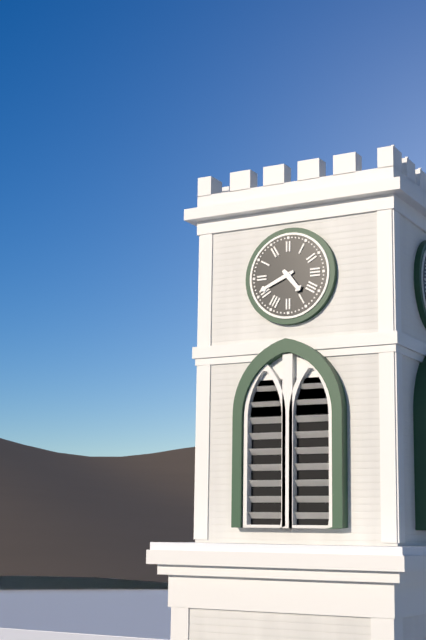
4:41
